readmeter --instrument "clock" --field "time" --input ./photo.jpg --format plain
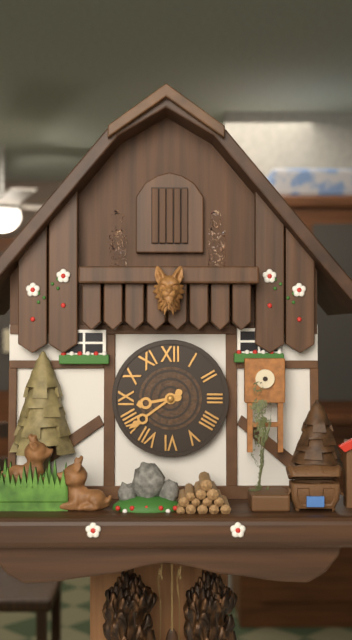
8:39
